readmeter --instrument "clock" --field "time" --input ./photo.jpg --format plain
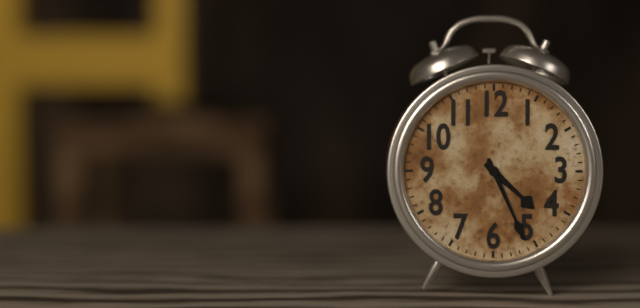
4:26
